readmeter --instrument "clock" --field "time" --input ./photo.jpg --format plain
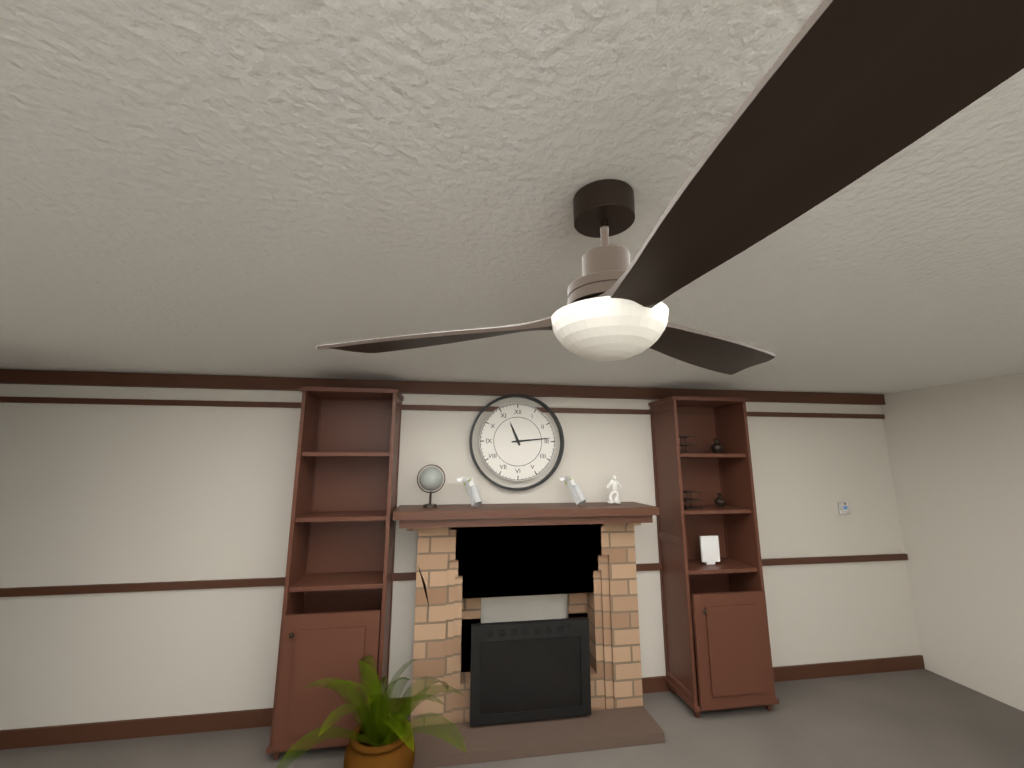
11:14
